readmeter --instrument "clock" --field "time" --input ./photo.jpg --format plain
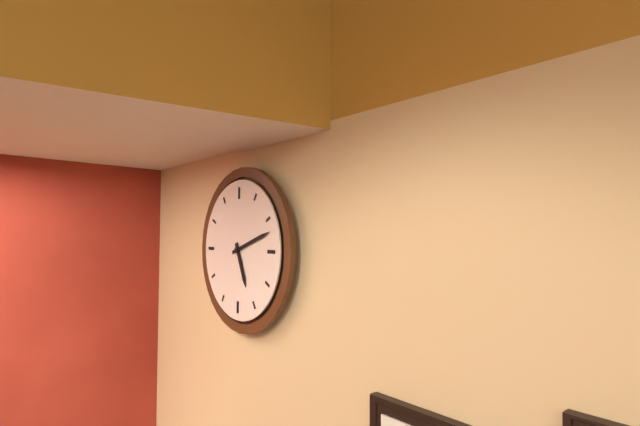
5:12
